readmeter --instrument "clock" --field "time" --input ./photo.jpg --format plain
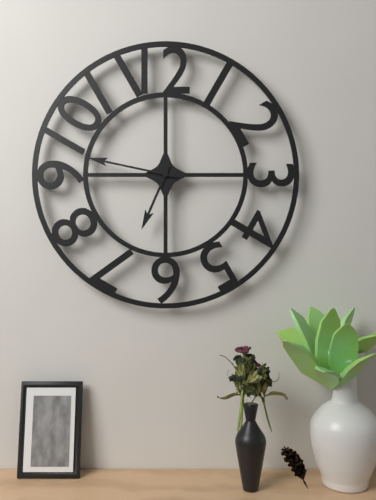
6:47
